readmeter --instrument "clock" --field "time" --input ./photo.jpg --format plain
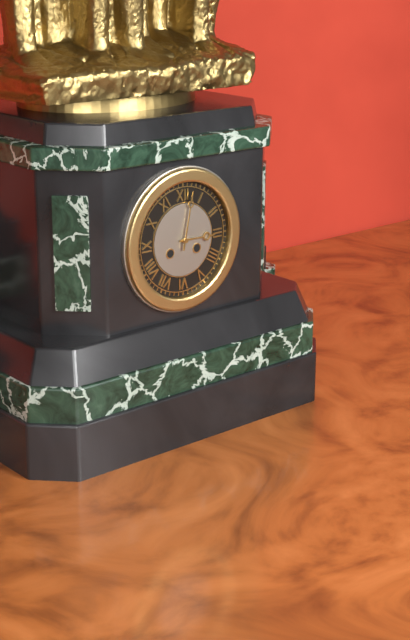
3:02
